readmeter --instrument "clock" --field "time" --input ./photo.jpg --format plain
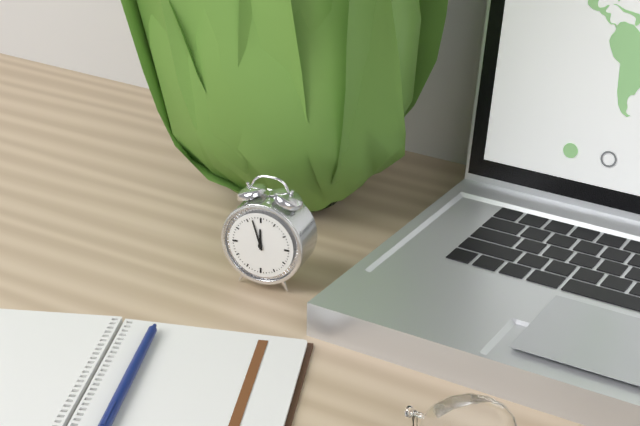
11:57
